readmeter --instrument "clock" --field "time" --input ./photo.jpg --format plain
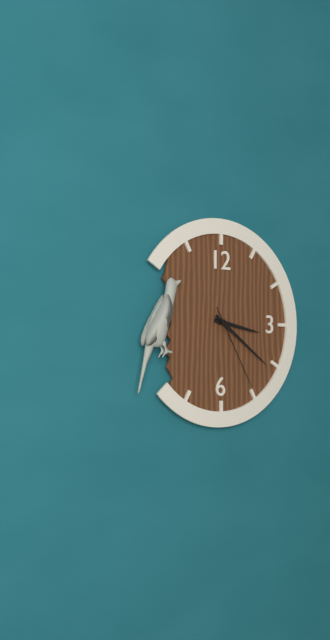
3:21:25
